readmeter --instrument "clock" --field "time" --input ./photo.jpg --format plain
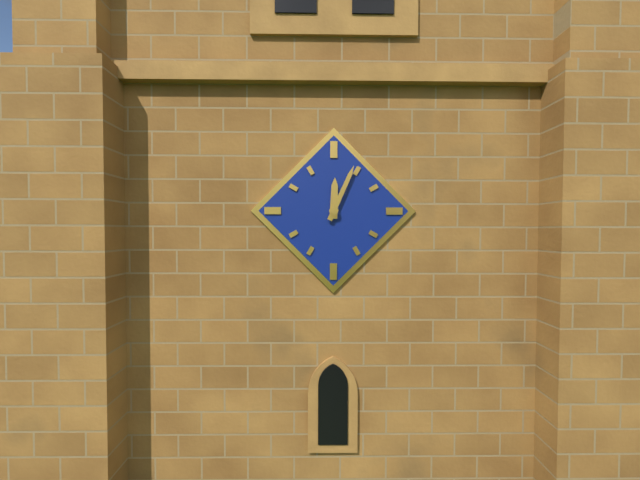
12:04
